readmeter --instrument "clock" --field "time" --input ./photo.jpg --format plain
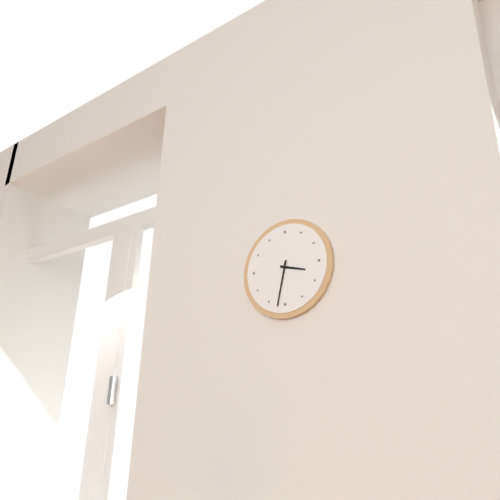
3:32
